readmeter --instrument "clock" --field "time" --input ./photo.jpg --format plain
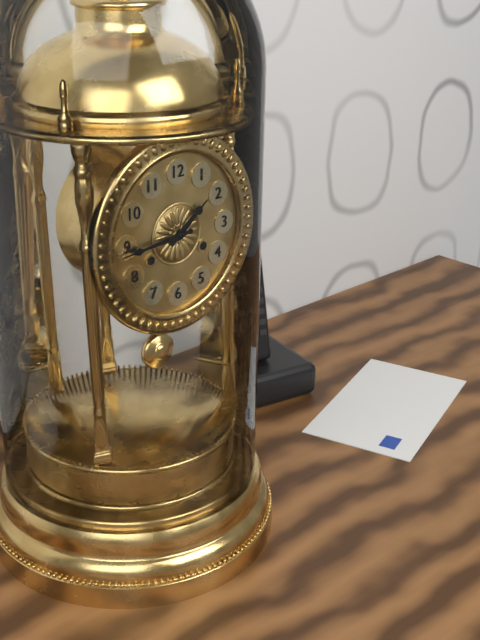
1:44
